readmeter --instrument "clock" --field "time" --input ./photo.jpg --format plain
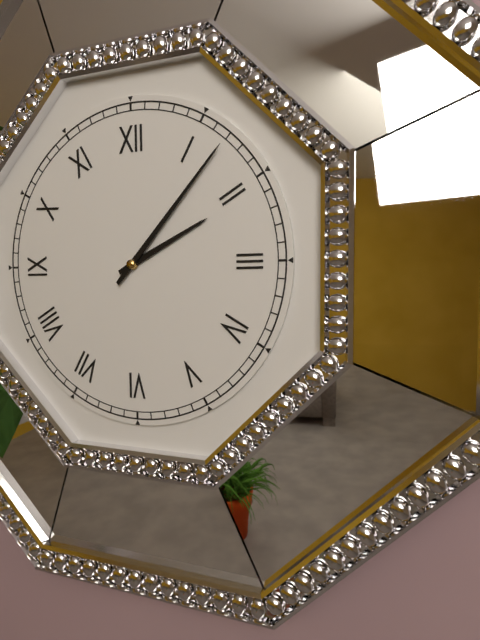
2:07
